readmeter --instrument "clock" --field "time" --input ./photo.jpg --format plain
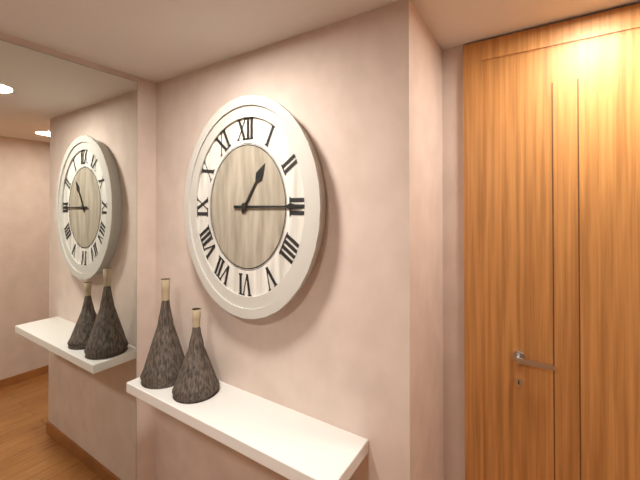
1:15
